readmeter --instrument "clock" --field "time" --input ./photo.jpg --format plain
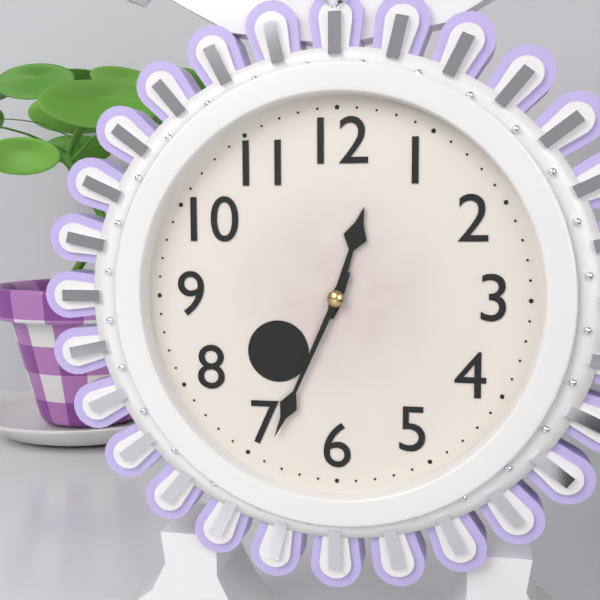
12:34
